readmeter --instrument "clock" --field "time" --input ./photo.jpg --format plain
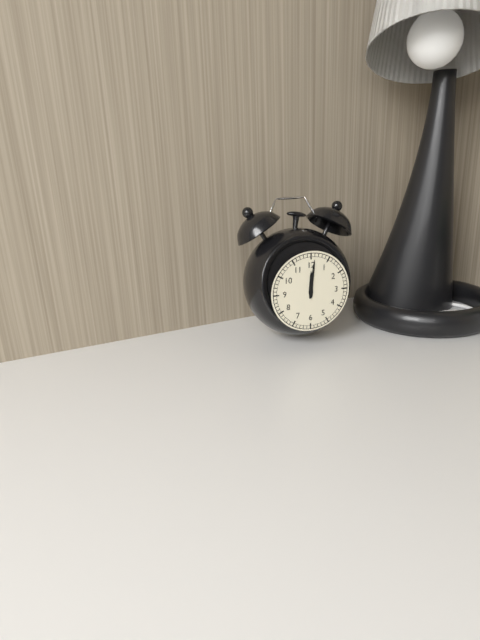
12:01
